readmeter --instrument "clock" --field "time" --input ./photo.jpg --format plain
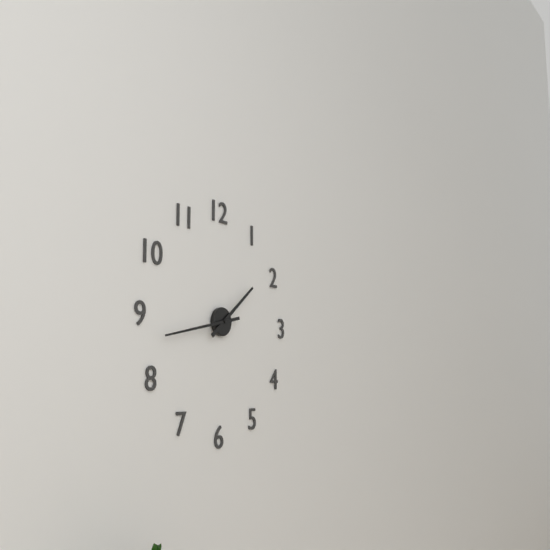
1:43
